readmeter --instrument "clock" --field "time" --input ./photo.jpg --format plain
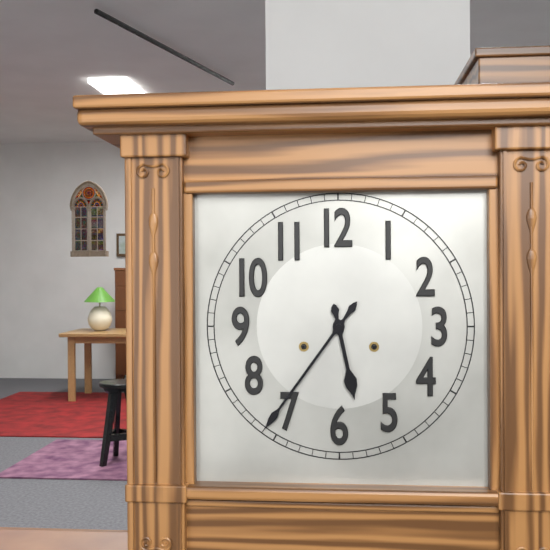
5:36
